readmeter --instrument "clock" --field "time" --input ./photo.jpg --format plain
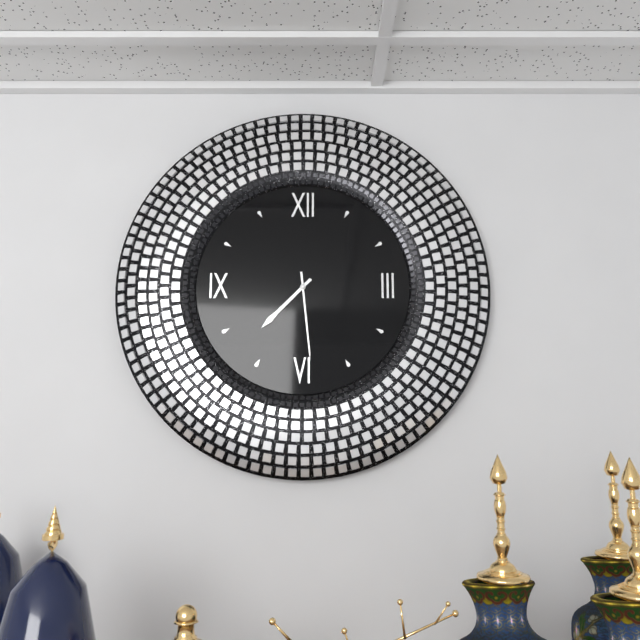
7:29
